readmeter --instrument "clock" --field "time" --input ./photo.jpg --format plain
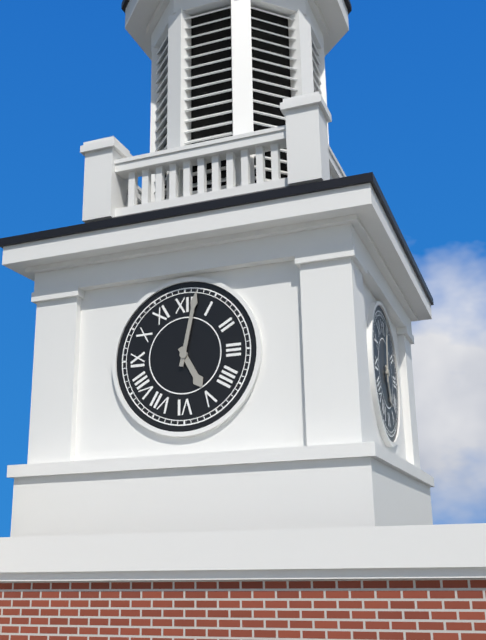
5:02
